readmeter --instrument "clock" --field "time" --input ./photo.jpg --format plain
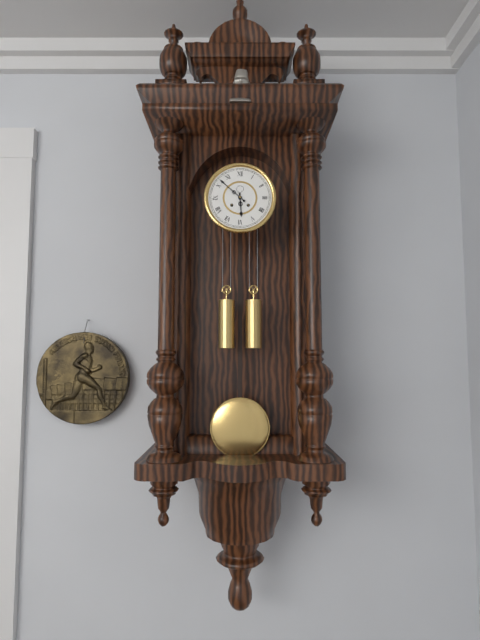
5:52
